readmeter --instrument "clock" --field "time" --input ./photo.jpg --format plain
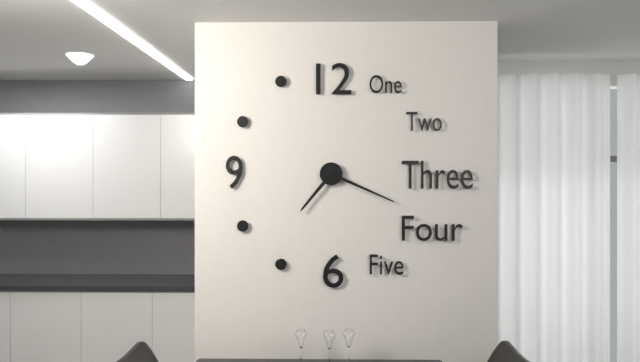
7:19
